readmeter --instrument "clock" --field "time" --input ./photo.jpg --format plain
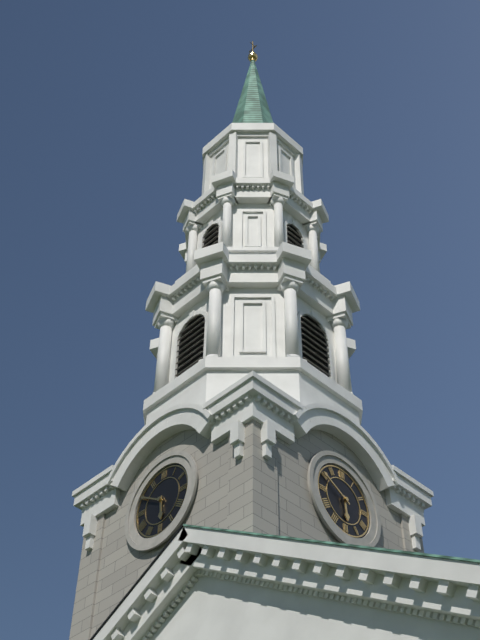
5:50
